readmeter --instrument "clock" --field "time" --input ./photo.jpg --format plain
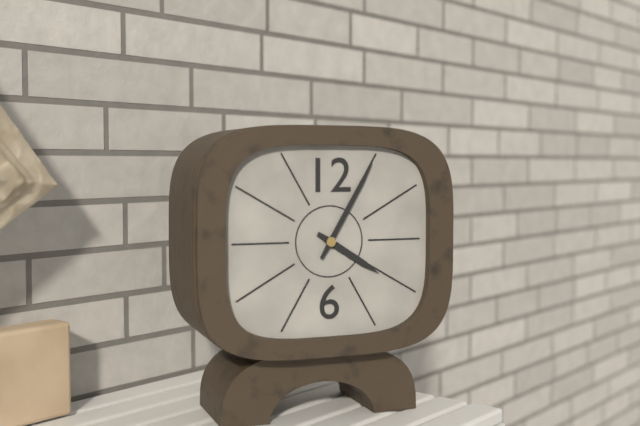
4:05
